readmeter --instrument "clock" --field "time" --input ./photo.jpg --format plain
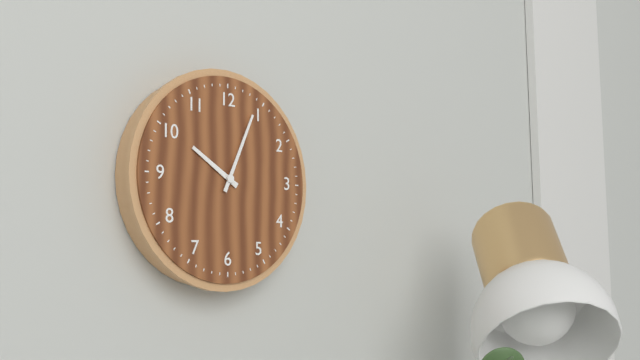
10:04
